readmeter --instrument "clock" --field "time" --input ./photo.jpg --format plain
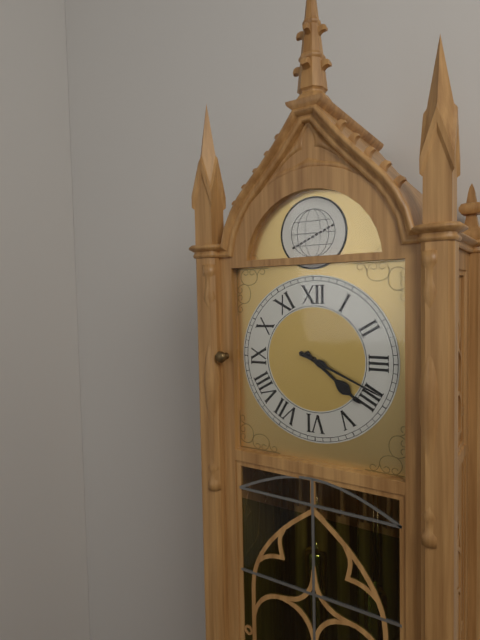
4:19
